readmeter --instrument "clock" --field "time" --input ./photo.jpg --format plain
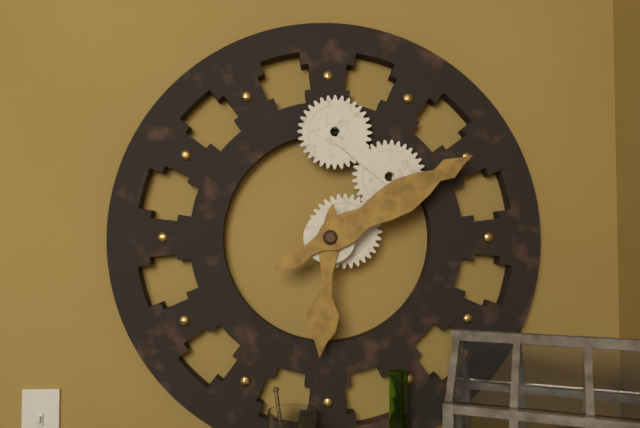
6:10
